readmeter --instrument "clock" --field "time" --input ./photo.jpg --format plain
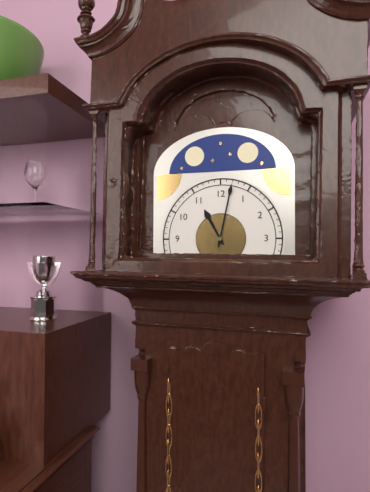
11:02
